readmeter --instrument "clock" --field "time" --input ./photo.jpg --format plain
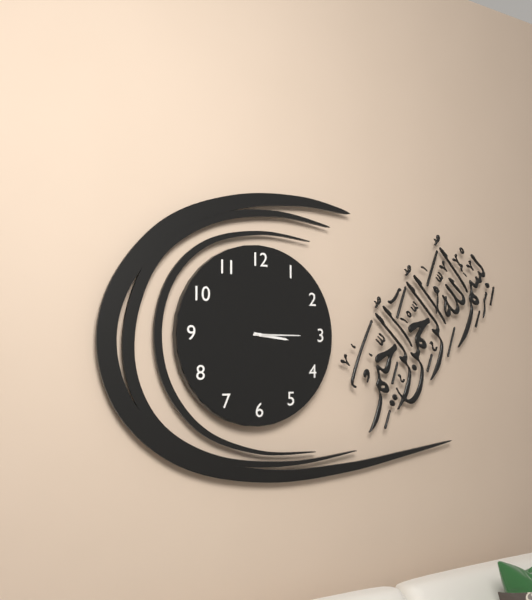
3:15
